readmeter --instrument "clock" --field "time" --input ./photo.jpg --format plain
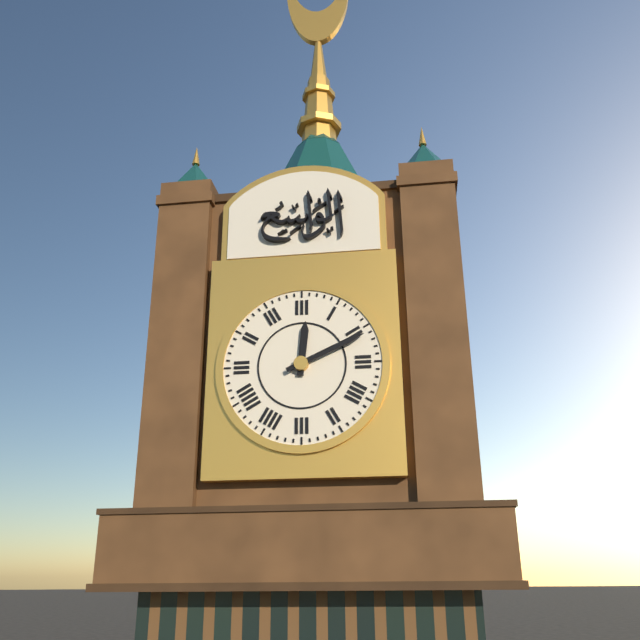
12:11
